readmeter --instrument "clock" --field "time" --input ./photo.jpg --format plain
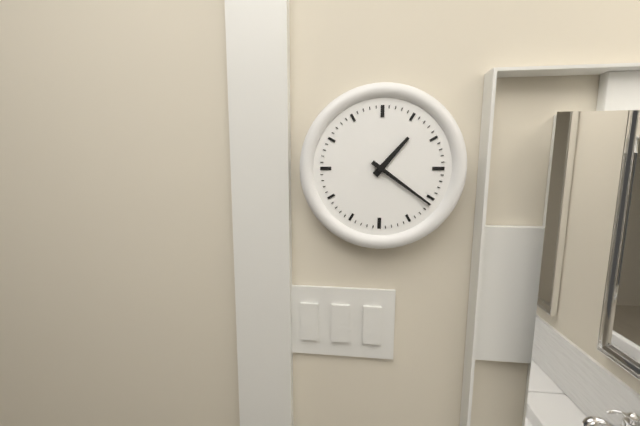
1:21
